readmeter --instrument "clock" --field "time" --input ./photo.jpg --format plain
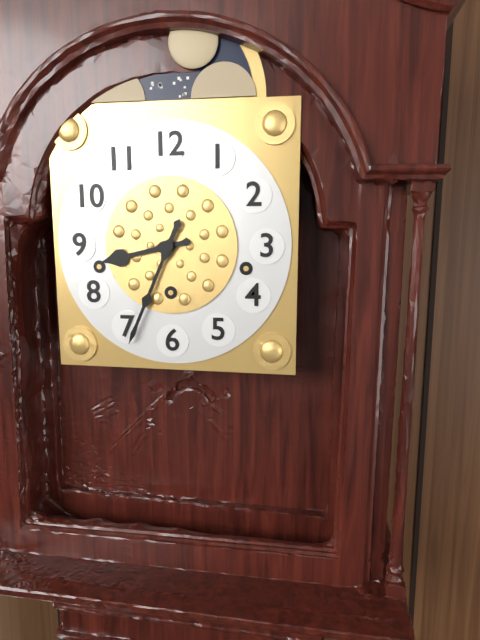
8:34
